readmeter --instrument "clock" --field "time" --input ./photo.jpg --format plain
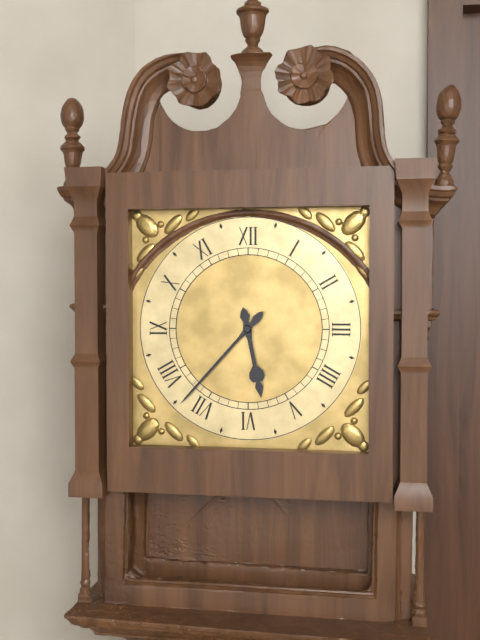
5:37
